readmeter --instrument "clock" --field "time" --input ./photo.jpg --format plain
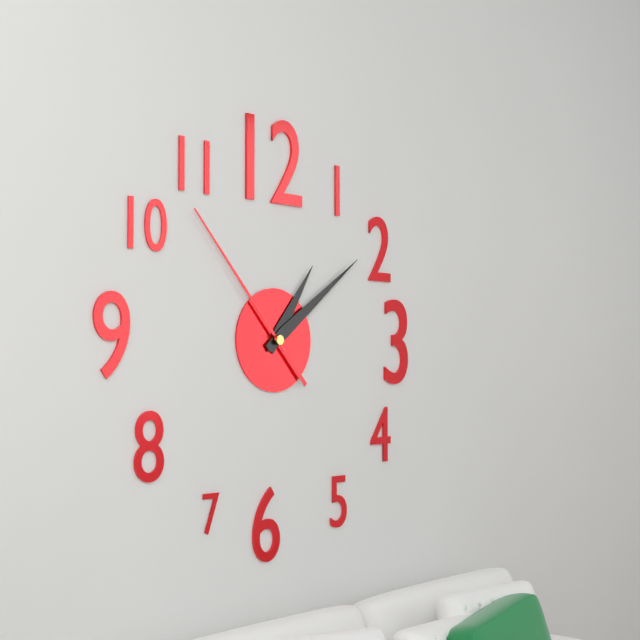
1:09:53
